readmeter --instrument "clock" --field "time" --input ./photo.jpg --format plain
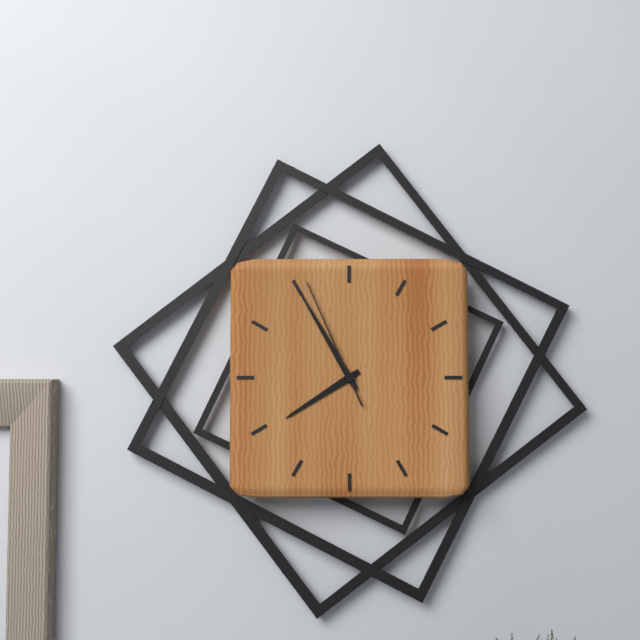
7:55:56
